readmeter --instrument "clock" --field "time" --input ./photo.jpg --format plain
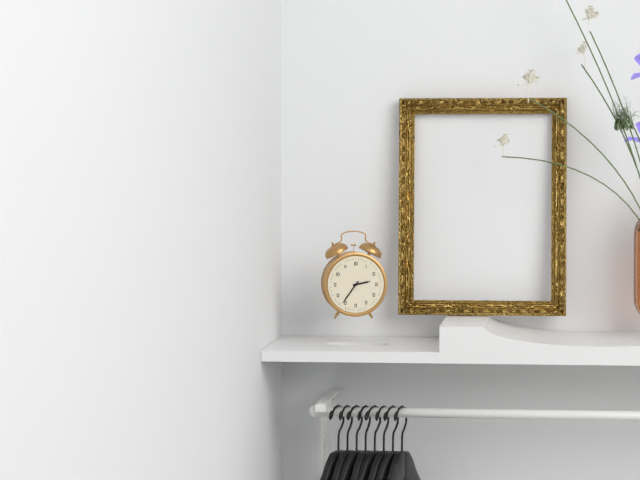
2:36
